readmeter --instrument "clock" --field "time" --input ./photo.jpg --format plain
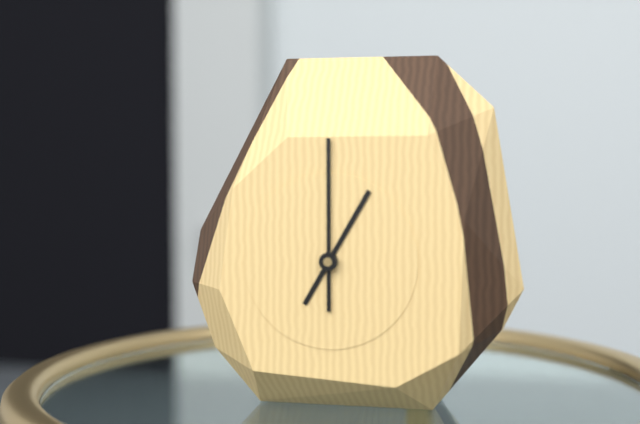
1:00
